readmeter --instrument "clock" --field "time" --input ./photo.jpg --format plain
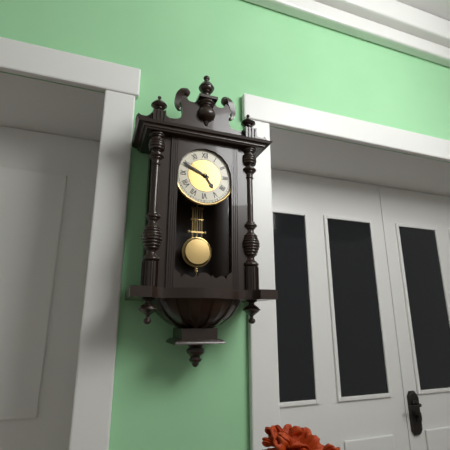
4:49
